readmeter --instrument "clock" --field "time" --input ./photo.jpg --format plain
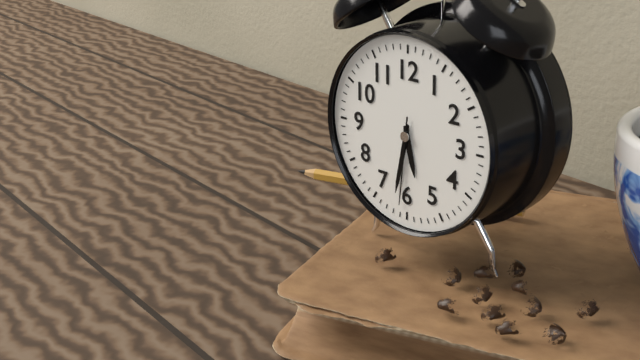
5:32:31
